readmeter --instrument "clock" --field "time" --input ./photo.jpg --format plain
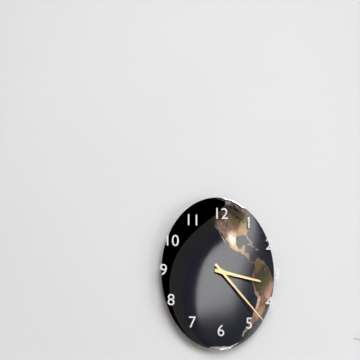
3:23
